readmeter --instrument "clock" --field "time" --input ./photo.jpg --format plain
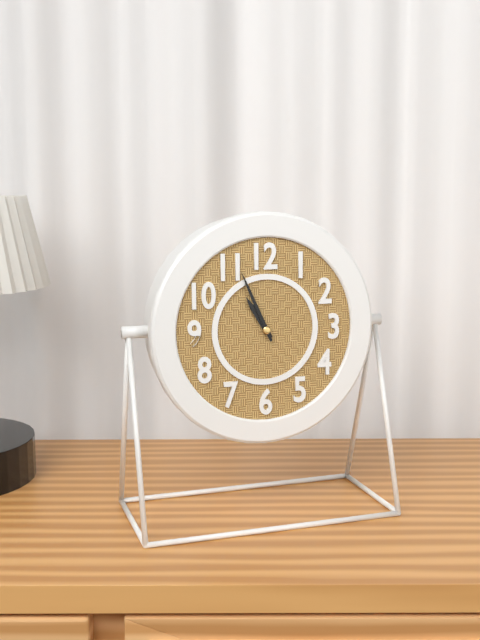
10:56
